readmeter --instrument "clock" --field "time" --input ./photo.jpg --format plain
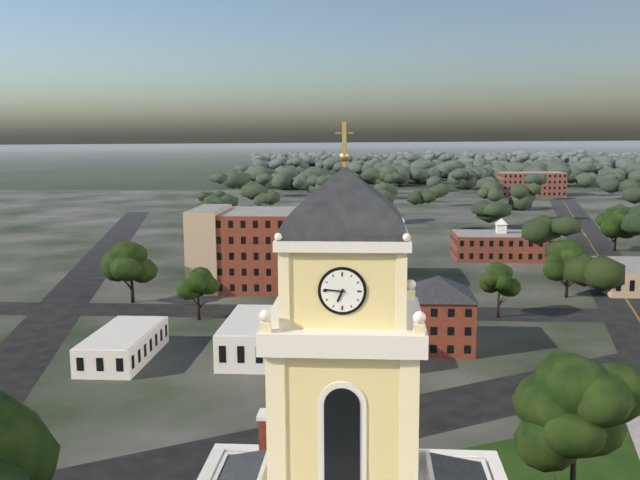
6:46
